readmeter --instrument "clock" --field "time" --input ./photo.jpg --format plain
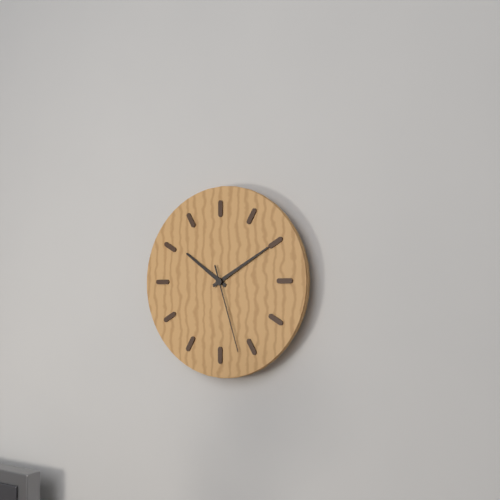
10:10:27
